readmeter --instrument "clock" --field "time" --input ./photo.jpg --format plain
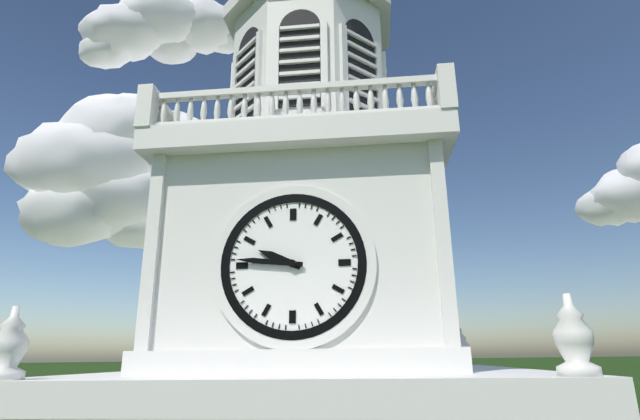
9:46
